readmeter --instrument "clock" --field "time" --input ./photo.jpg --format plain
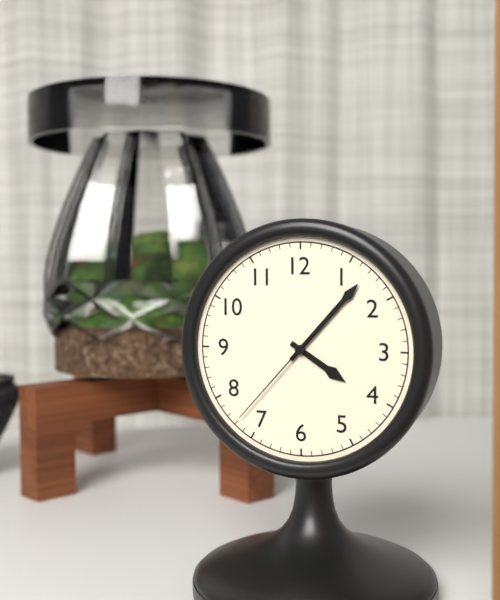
4:07:37
